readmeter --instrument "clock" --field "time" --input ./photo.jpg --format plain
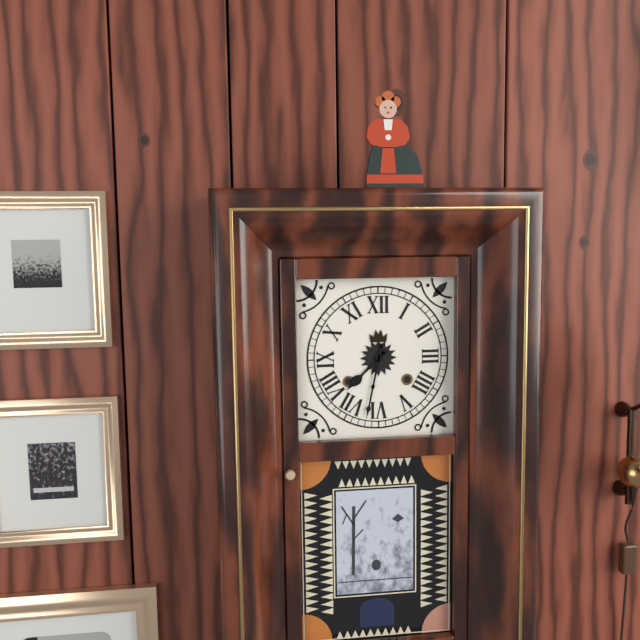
7:32
